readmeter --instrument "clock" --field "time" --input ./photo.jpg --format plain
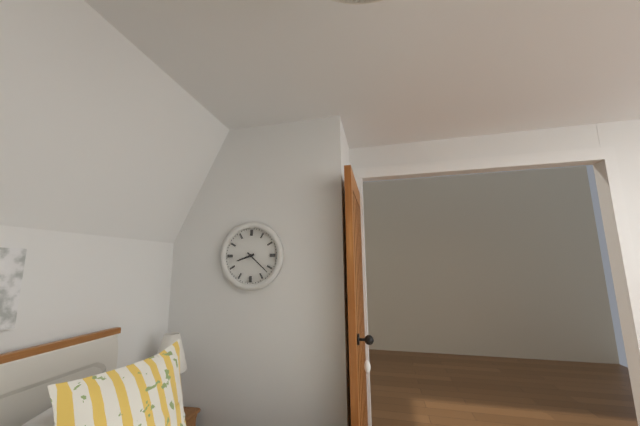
8:22
